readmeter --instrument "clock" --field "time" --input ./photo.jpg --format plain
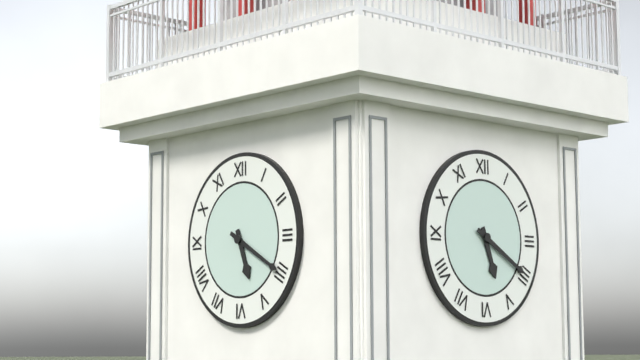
5:20
